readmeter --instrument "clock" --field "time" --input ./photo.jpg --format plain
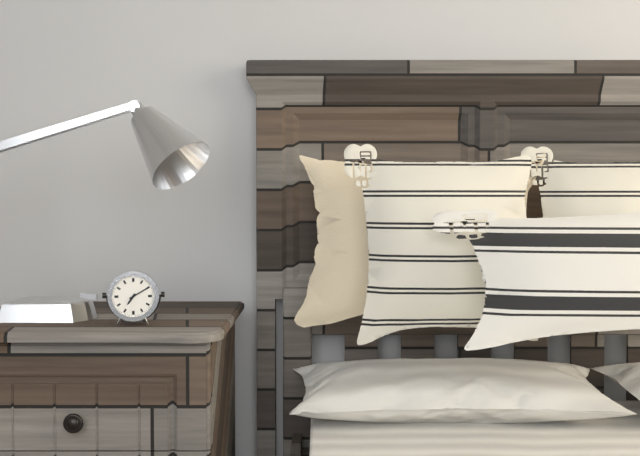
7:10
